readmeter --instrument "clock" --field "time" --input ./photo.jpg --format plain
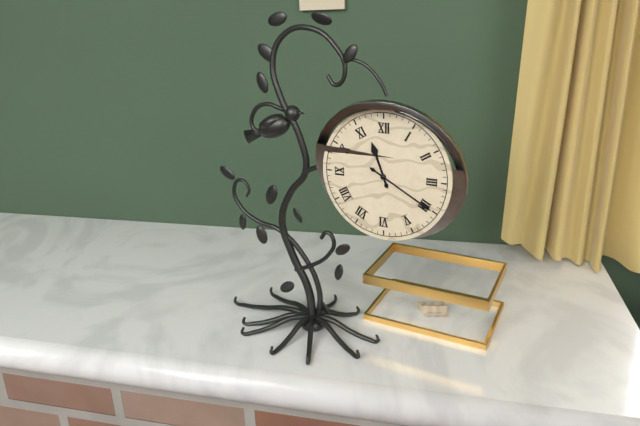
11:20
